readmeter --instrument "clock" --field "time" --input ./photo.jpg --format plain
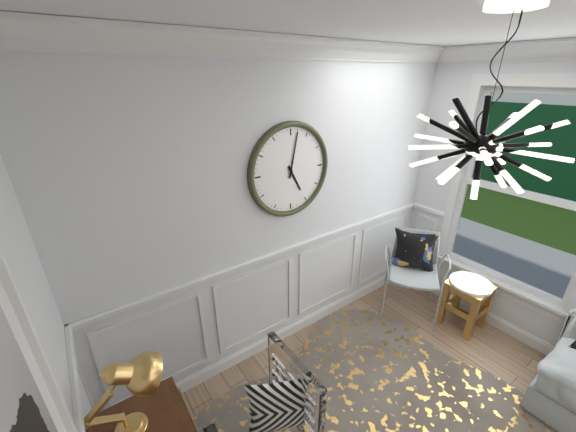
5:02
